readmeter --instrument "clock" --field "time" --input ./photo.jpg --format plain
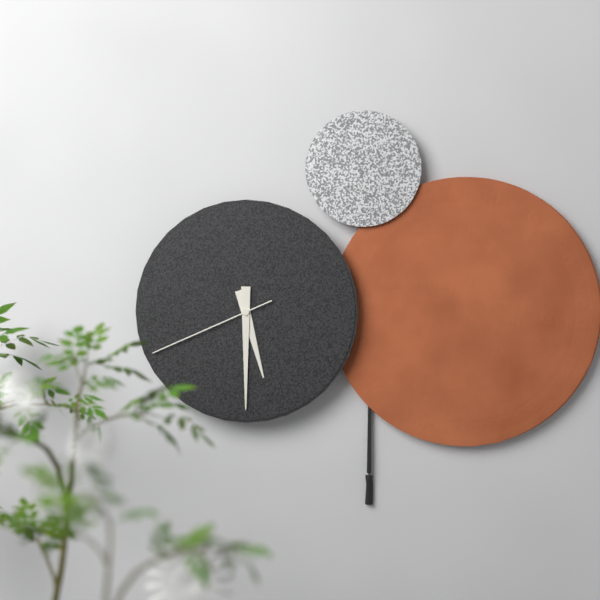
5:30:41
